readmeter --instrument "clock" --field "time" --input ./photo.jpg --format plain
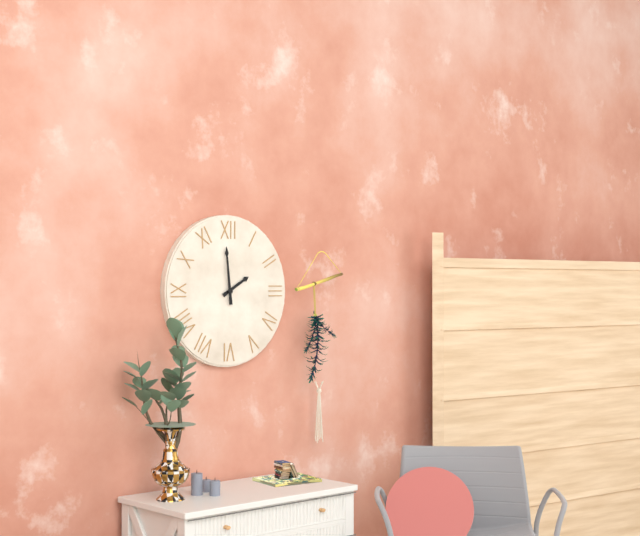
1:59
